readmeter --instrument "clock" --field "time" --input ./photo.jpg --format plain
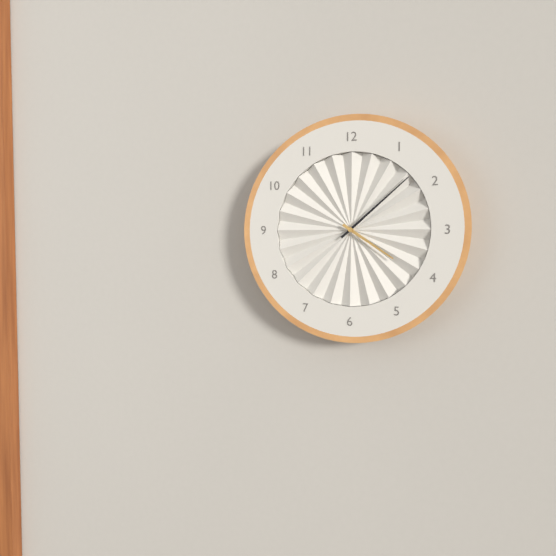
4:08
